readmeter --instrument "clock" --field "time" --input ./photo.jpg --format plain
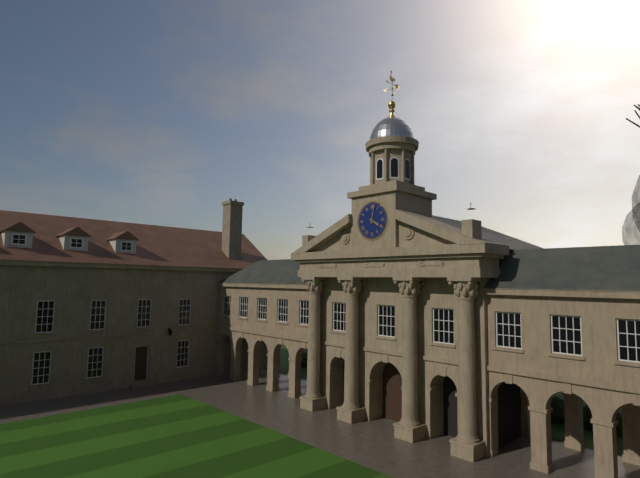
4:02
